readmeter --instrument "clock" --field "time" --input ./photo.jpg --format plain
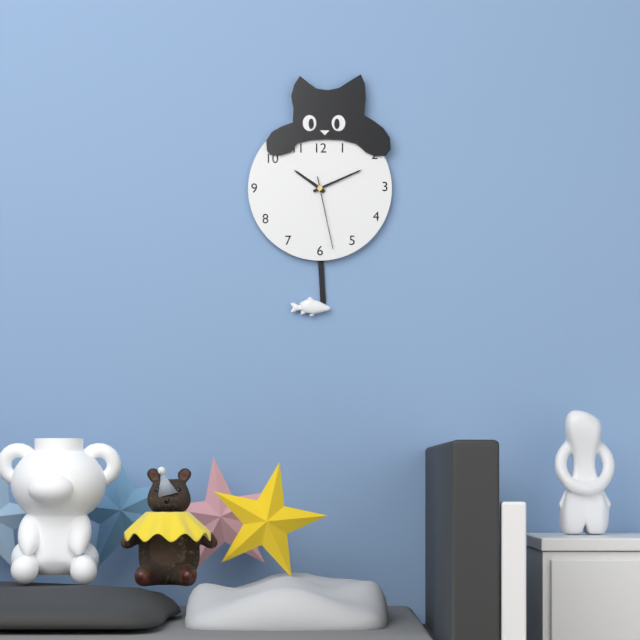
10:11:28
